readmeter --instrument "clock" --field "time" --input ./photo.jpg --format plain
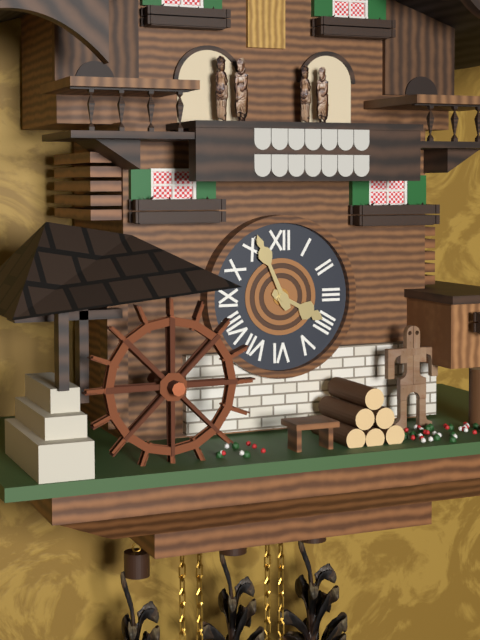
3:56
